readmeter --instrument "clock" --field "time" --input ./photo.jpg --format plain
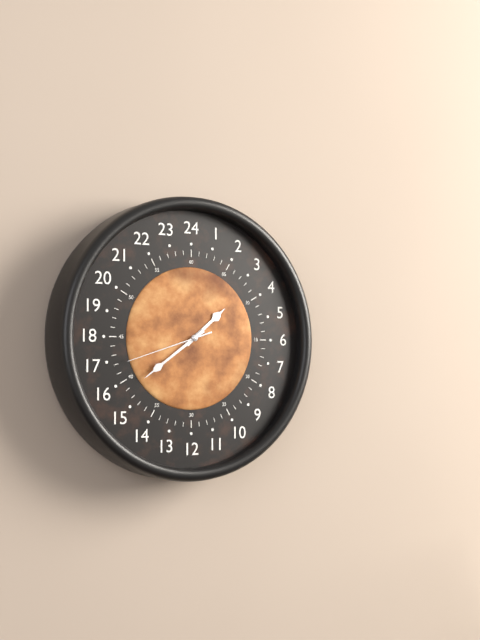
1:39:42
